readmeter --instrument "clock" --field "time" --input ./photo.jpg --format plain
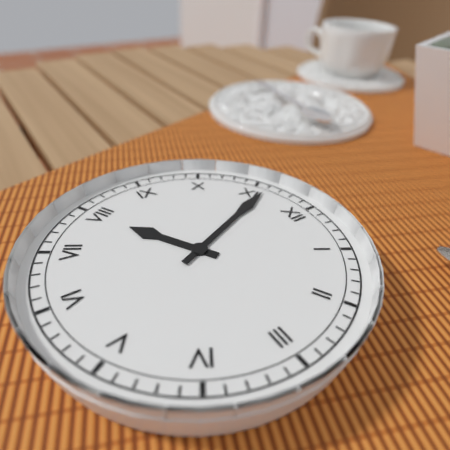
7:56
